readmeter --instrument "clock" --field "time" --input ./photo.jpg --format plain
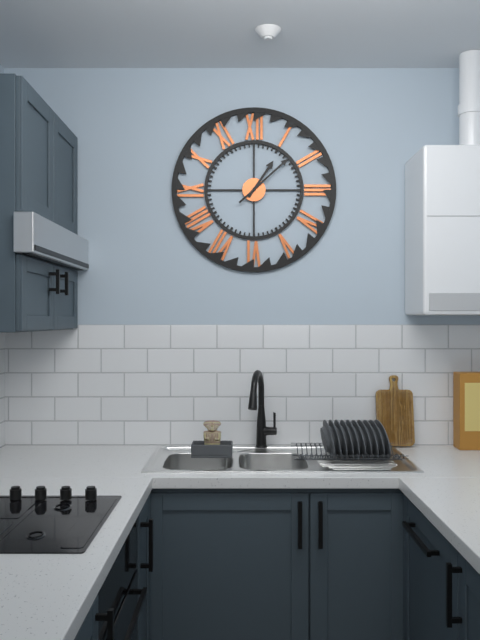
1:08
